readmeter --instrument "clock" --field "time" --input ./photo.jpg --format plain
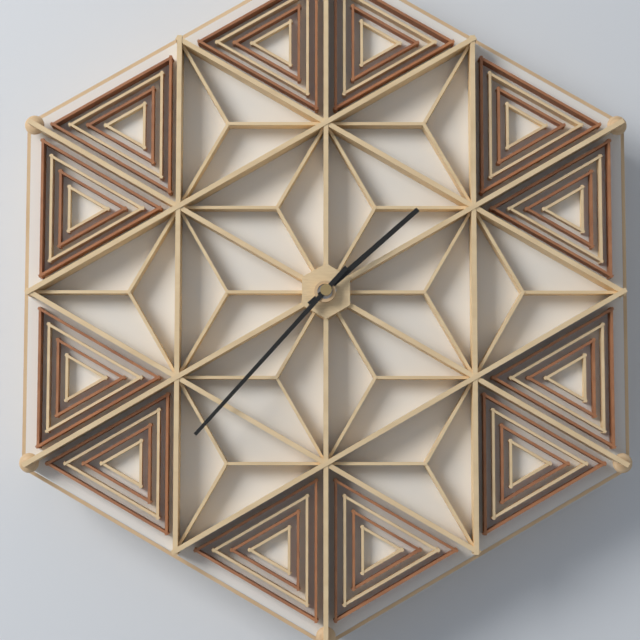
1:37
